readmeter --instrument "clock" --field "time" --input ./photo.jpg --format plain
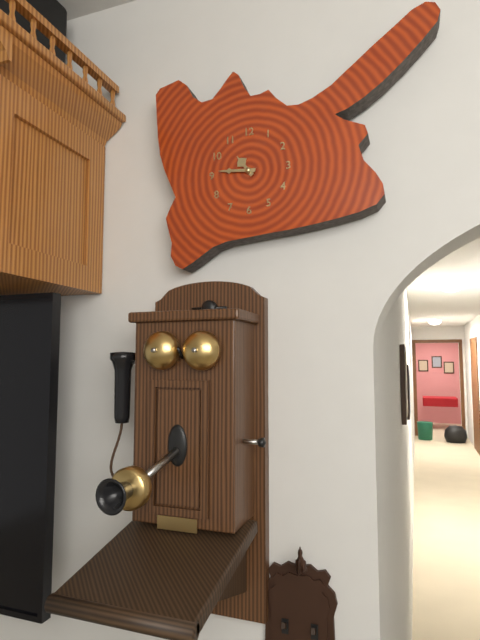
10:46
